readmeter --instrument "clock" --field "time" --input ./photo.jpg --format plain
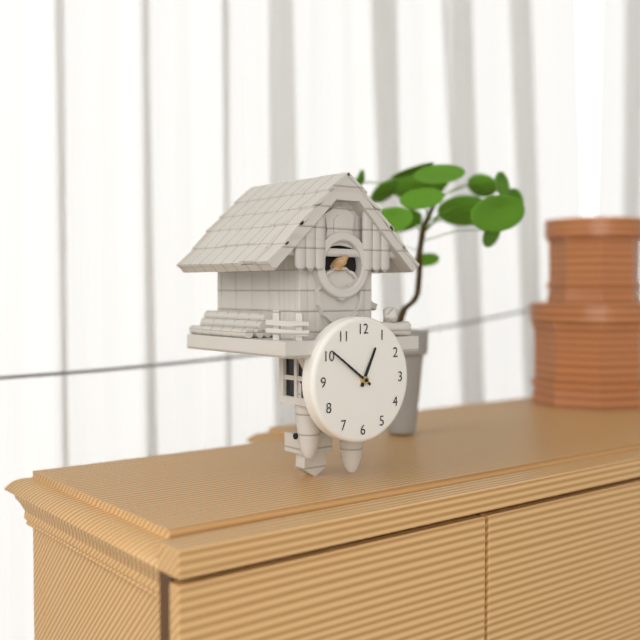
12:51
